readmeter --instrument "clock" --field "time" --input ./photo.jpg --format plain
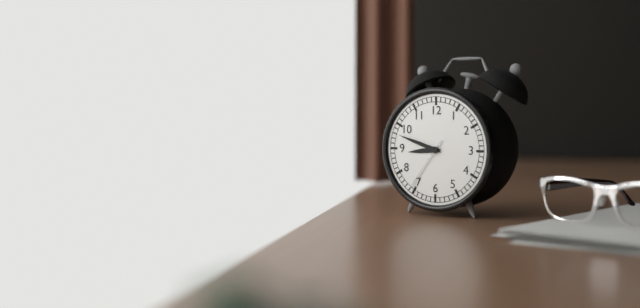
8:48:36
